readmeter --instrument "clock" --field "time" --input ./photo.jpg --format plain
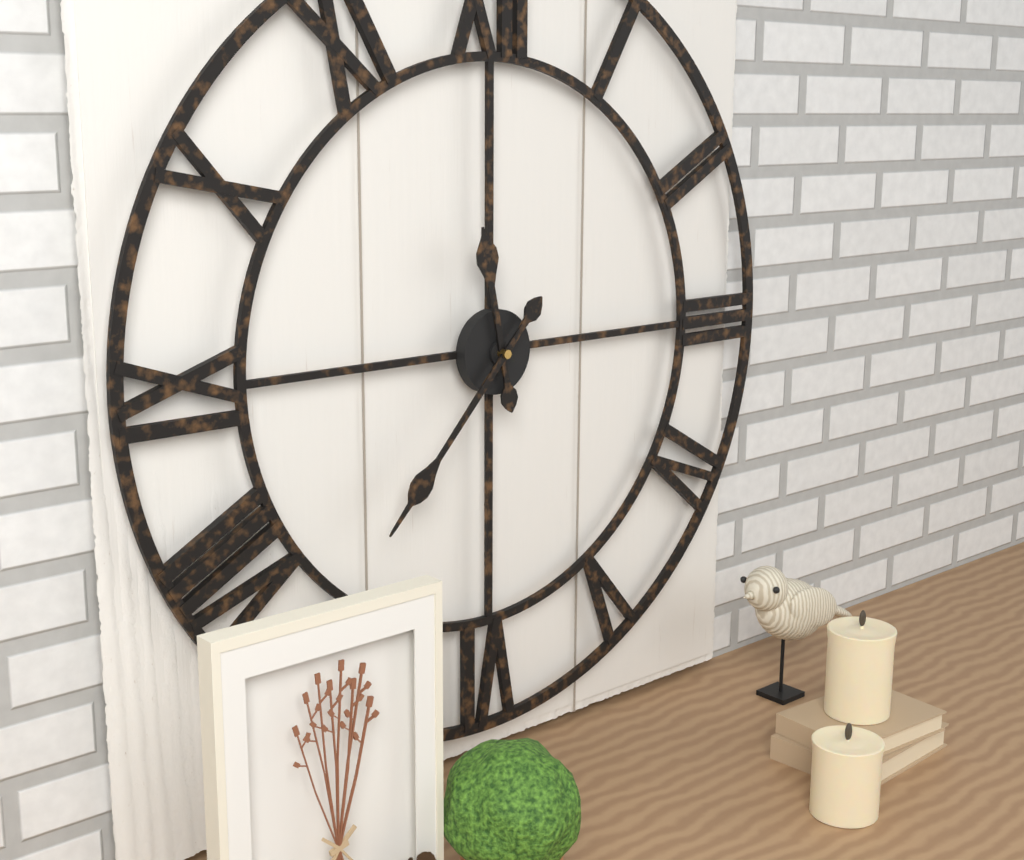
11:37
